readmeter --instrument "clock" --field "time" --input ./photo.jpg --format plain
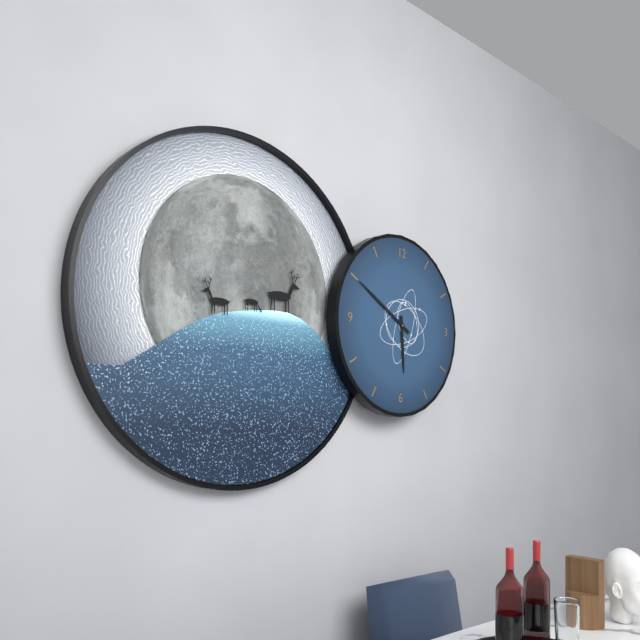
5:50
